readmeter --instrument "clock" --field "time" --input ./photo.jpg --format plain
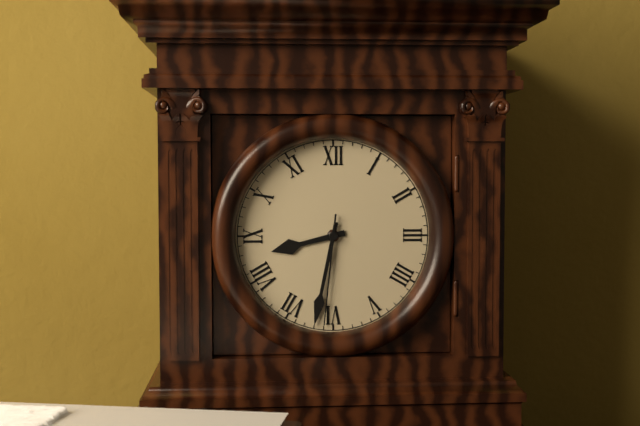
8:32:31
